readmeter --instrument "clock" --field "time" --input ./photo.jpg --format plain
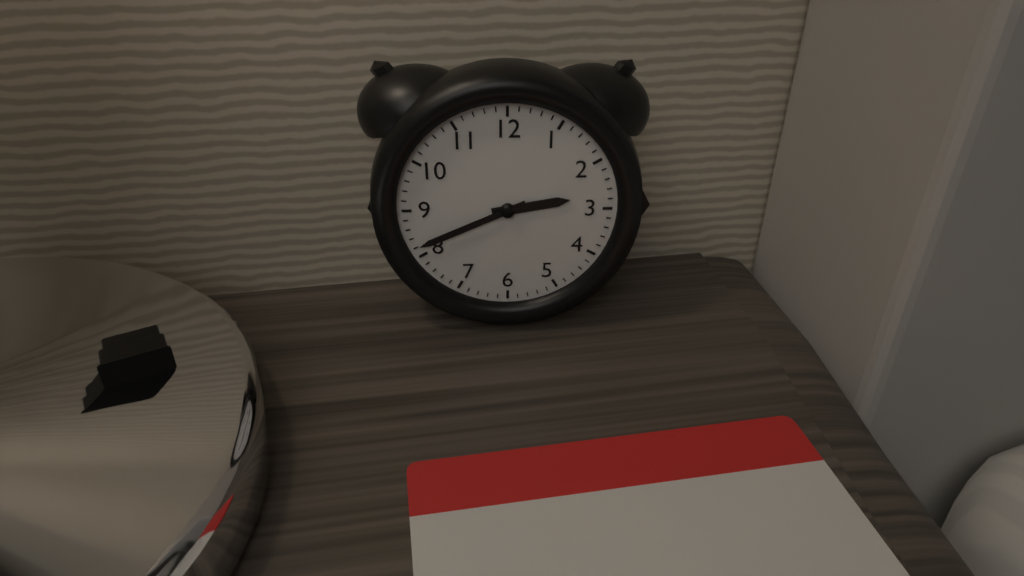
2:41
